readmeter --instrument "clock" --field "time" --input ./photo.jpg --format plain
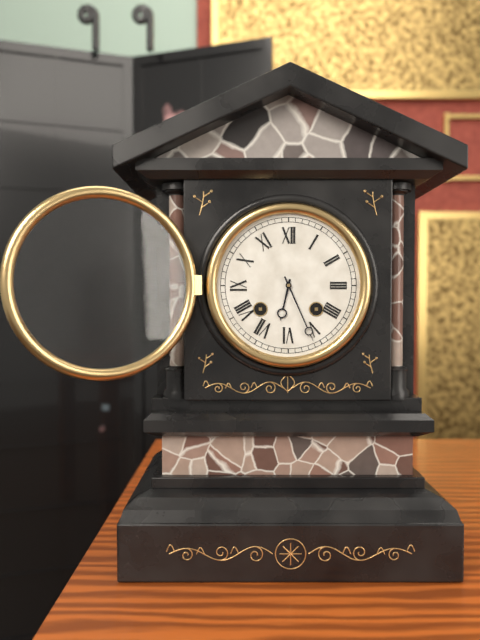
6:26
